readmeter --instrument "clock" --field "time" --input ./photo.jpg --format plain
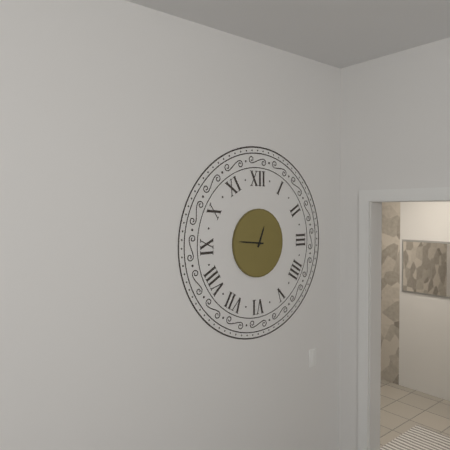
12:46
